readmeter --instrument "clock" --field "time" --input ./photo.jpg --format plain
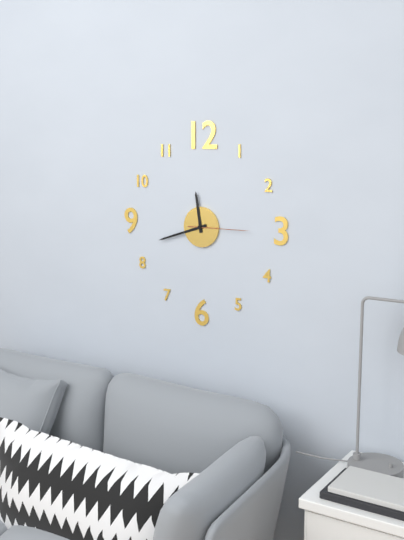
11:42:15
